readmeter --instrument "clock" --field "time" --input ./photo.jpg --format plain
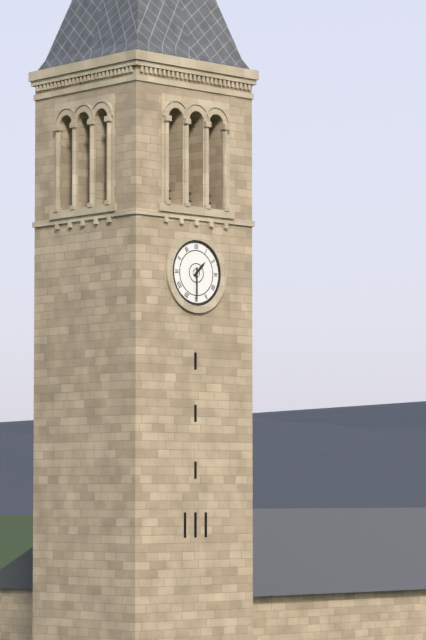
1:30
